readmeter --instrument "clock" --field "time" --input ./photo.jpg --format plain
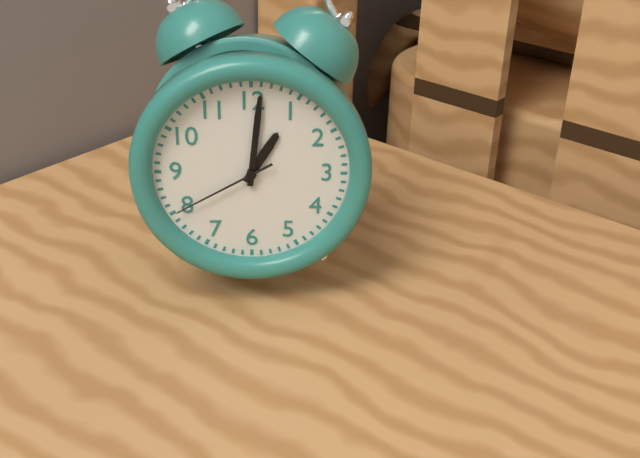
1:01:40
